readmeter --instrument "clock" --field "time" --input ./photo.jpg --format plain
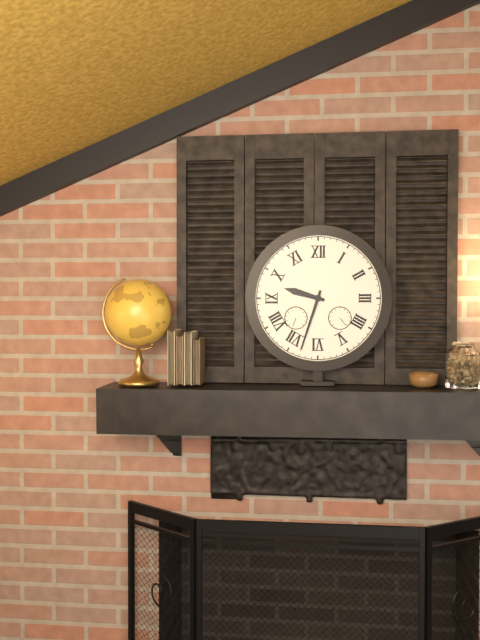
9:33
